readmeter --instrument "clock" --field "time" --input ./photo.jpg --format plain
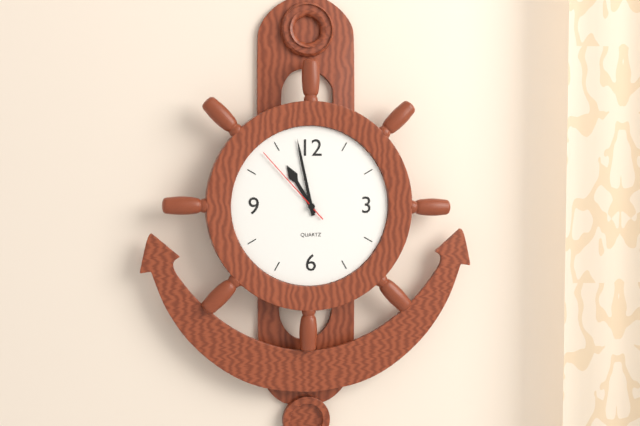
10:58:53
